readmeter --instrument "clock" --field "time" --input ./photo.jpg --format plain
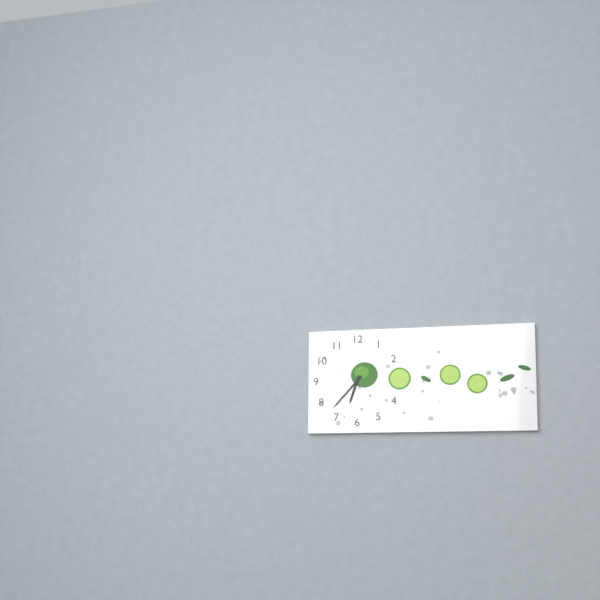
6:37
